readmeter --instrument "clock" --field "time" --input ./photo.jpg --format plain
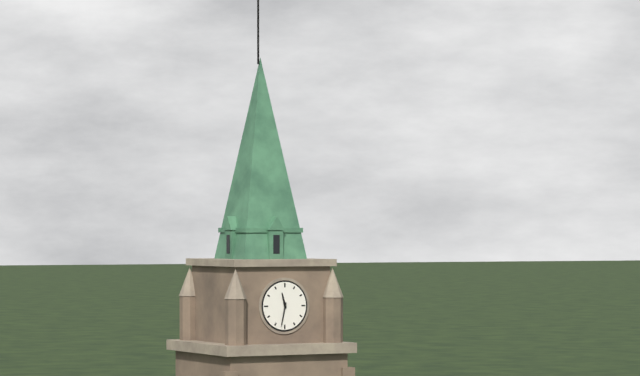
11:32
